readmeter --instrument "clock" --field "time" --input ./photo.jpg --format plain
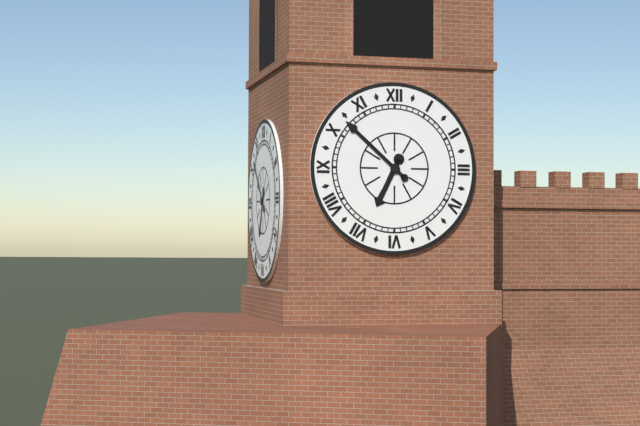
6:52
